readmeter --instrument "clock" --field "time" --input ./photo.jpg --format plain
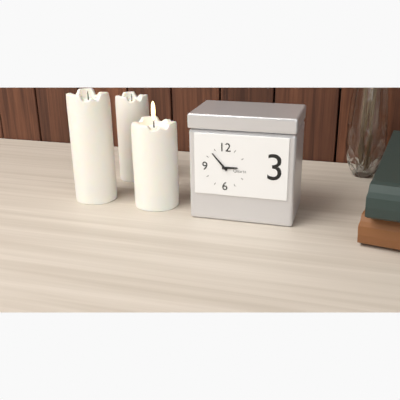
2:53
